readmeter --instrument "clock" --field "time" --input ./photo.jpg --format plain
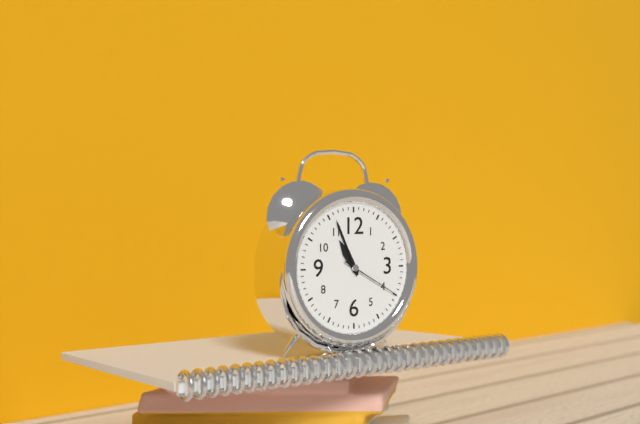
10:56:20
